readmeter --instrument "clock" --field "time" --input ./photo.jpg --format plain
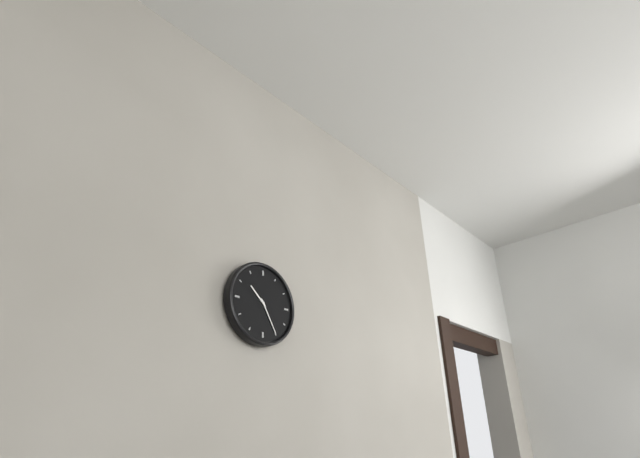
10:25
